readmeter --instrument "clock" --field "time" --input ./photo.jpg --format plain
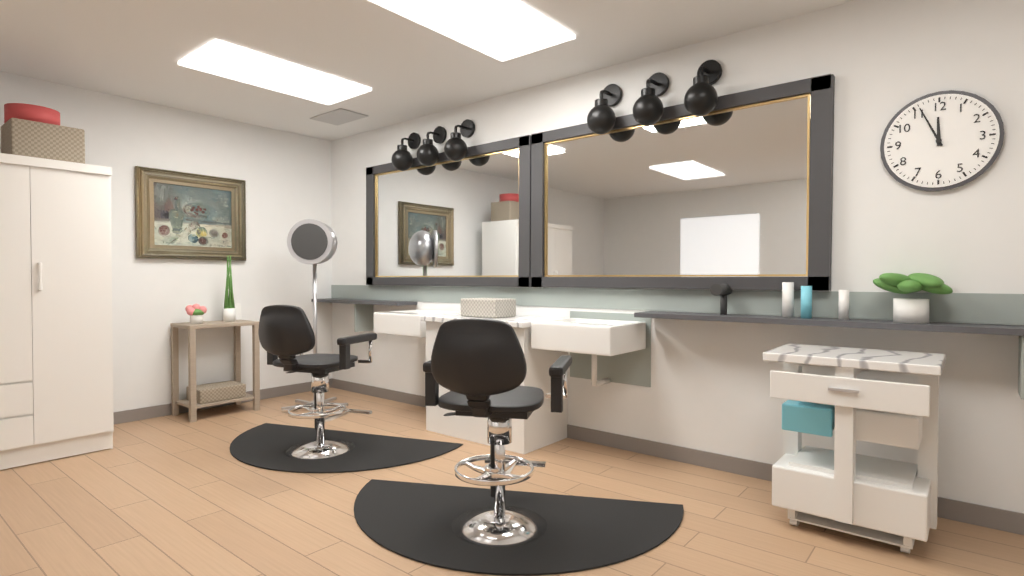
11:56
